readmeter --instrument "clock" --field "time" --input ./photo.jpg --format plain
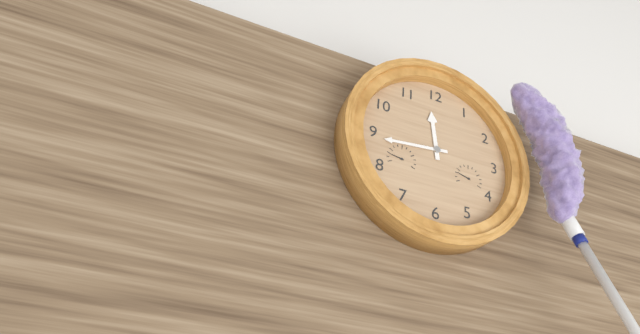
11:44
